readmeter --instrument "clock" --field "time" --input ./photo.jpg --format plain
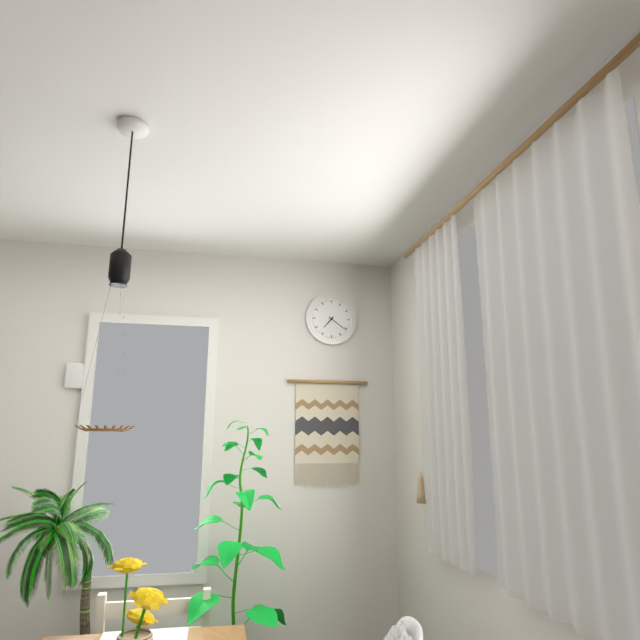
7:21
